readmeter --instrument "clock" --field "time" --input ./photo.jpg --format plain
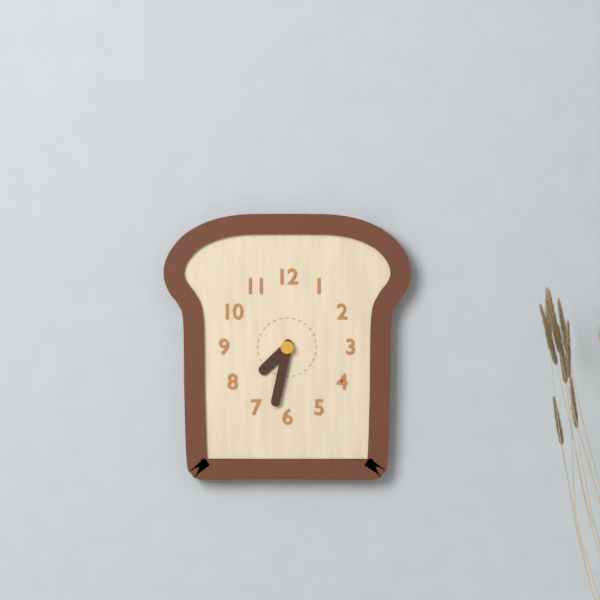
7:32
